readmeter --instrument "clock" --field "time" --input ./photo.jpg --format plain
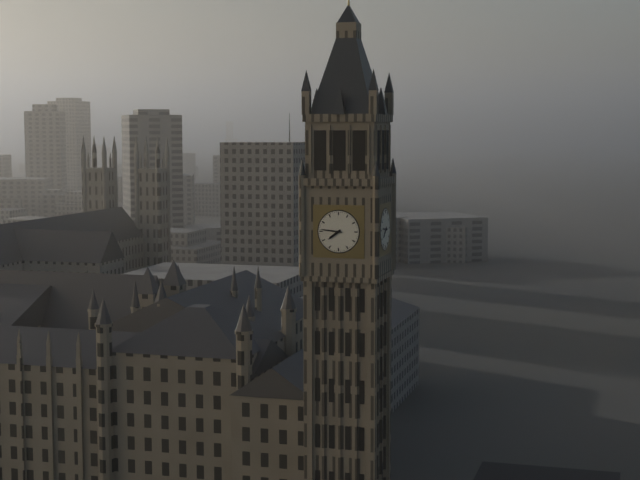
7:46
